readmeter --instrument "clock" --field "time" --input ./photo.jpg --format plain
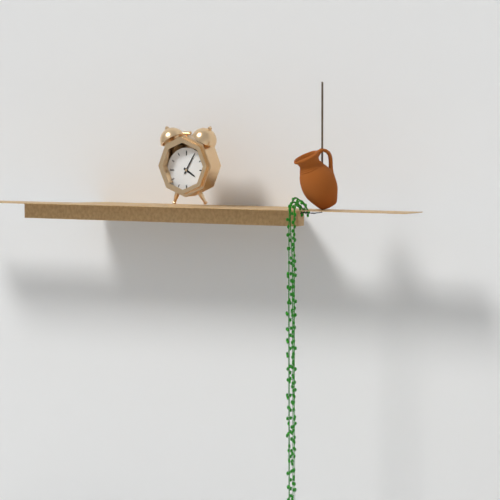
4:05
